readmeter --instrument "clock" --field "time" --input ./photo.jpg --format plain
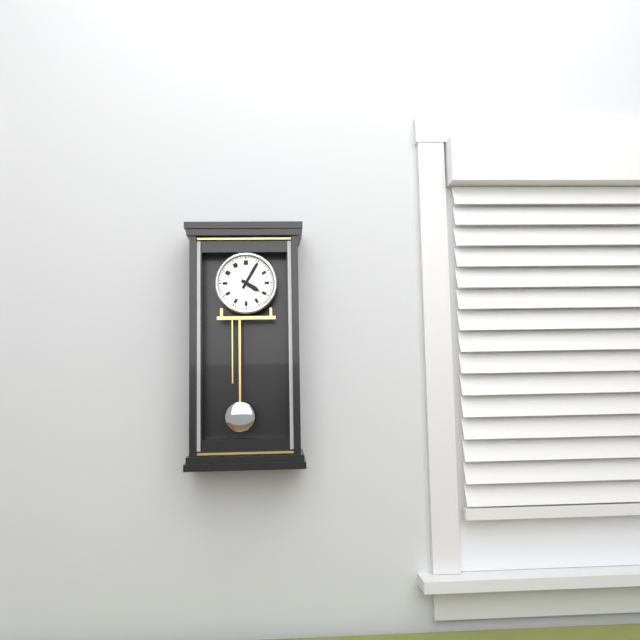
4:05
